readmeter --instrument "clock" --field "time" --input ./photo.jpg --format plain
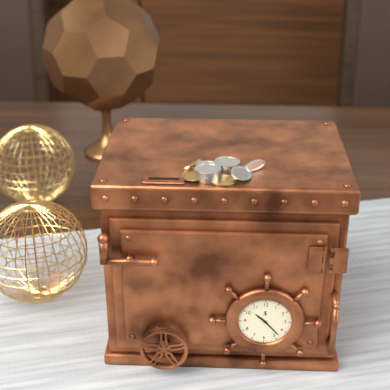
10:23
